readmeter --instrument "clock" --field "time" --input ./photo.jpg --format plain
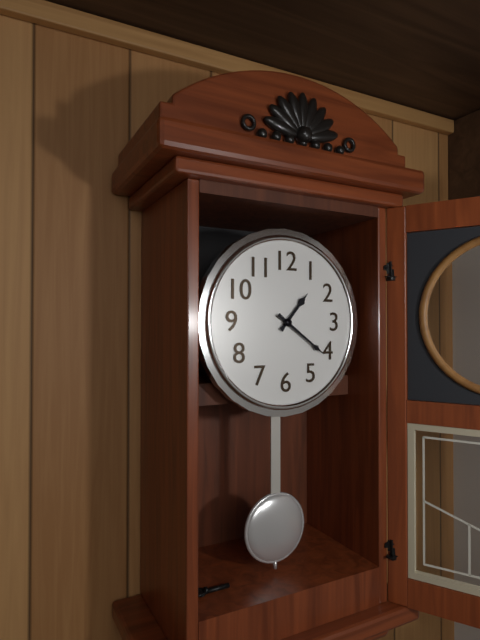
1:21
